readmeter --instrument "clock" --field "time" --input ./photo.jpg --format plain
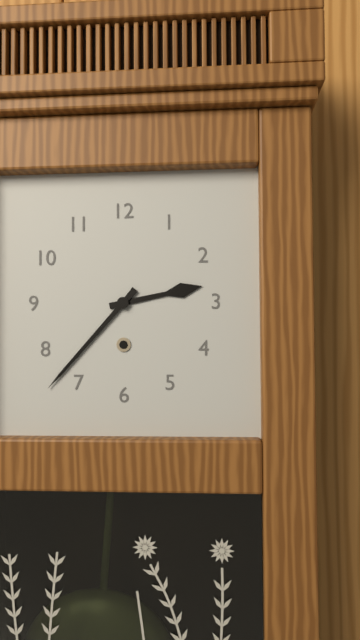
2:37
